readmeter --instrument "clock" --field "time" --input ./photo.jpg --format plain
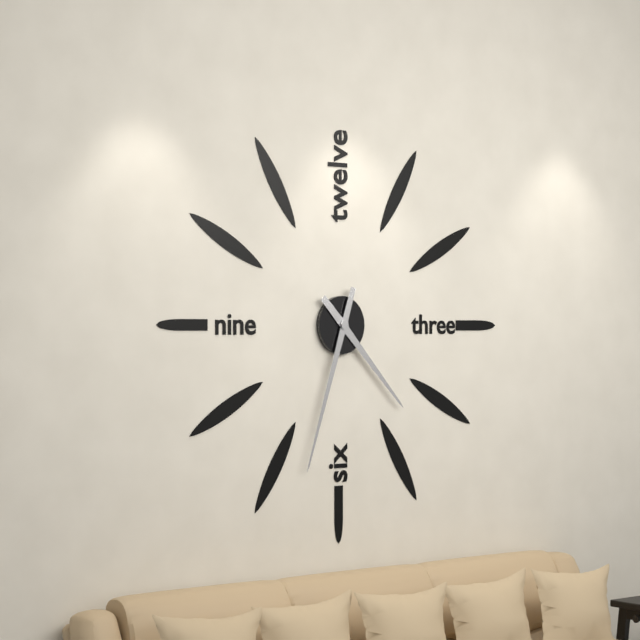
4:33
